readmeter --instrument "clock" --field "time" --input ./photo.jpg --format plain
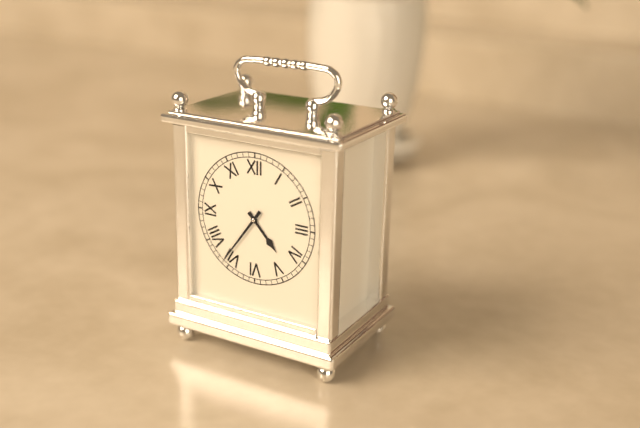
4:36
